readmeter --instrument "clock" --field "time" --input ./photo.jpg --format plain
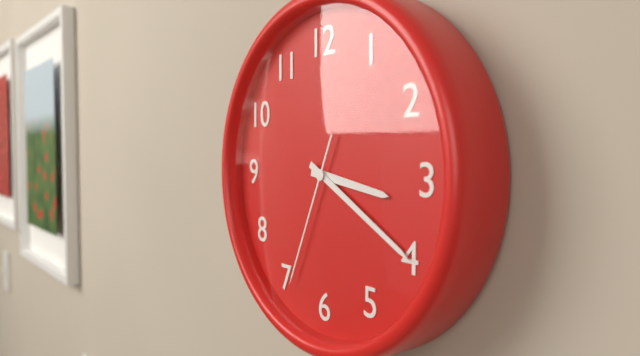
3:20:34
